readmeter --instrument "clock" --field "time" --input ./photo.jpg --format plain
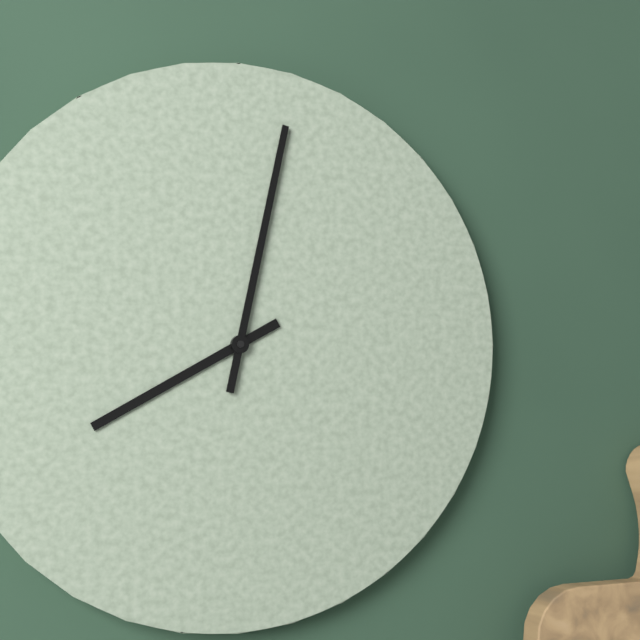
8:02
